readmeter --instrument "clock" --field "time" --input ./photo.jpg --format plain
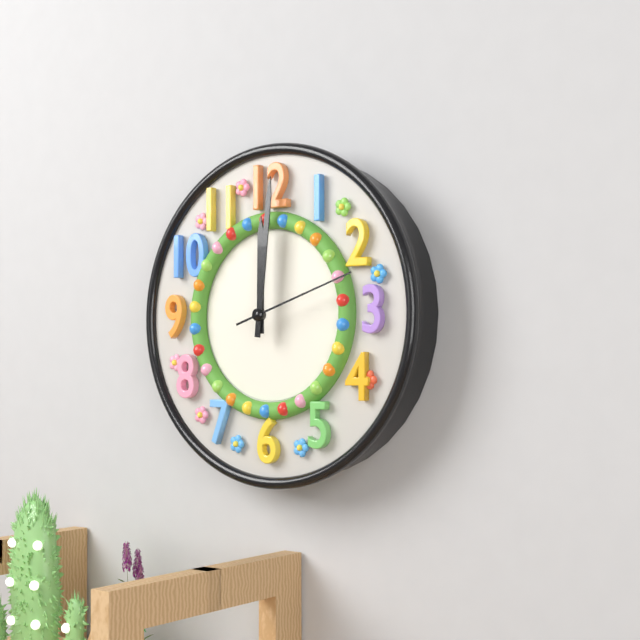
12:01:12
